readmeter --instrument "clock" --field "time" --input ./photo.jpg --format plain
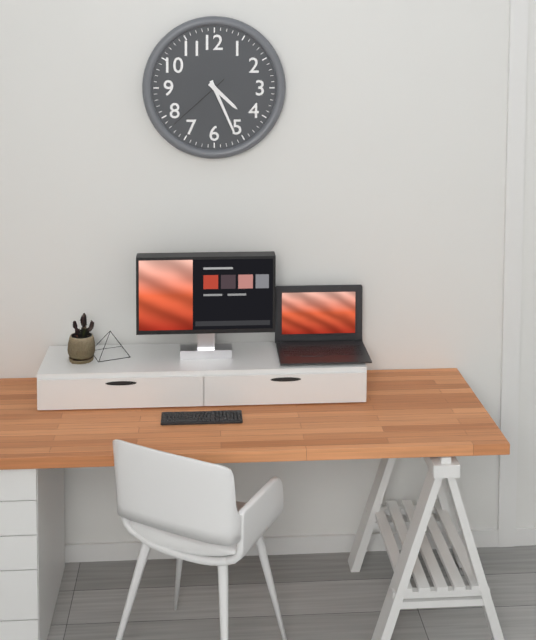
4:26:38
